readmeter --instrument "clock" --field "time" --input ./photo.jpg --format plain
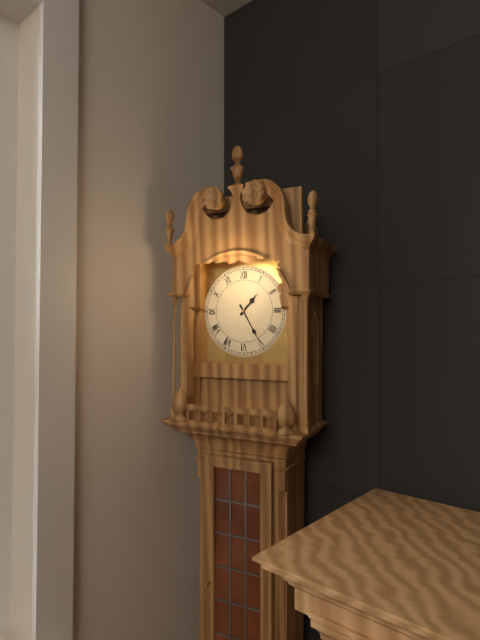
1:25
